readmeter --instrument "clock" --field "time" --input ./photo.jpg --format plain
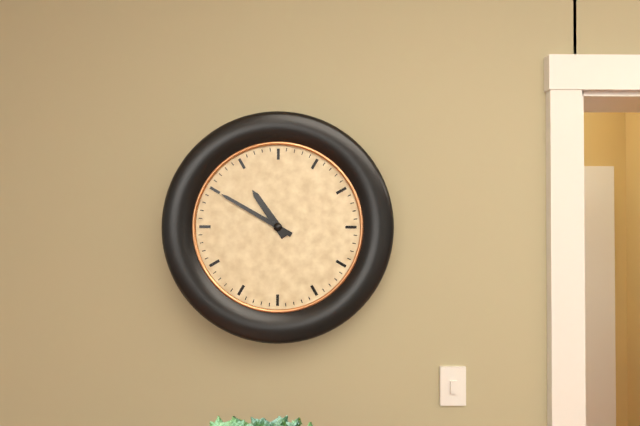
10:50
